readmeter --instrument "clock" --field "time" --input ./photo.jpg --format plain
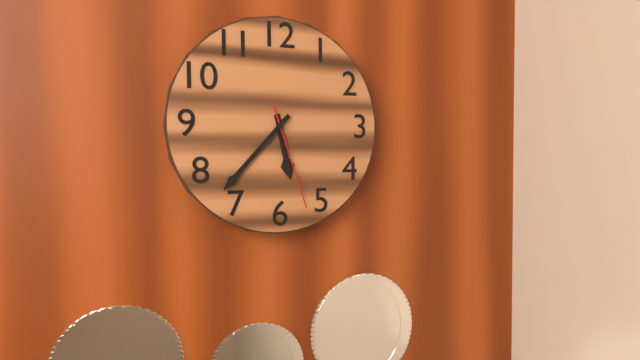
5:37:27
